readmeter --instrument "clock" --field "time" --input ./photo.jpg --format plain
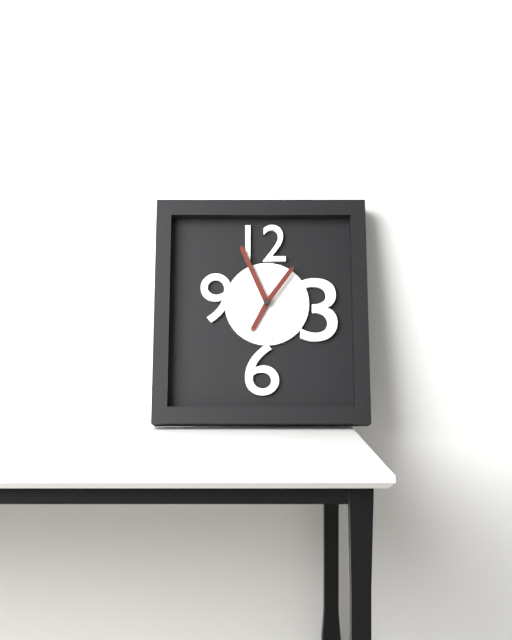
6:56:06
